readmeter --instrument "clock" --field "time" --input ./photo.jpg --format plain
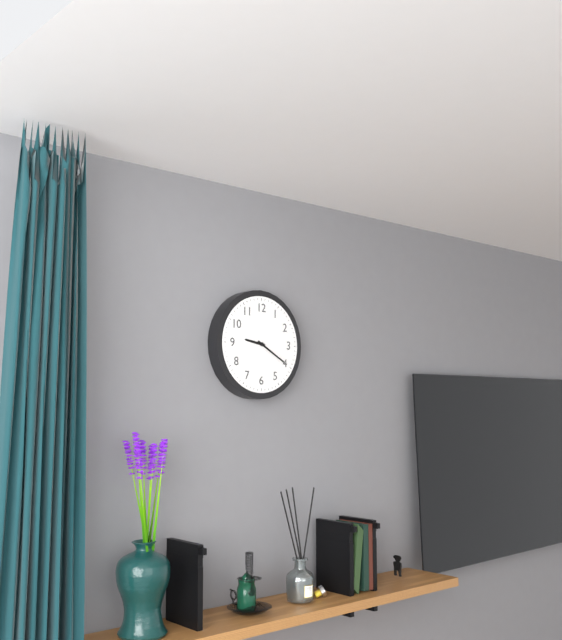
9:20
